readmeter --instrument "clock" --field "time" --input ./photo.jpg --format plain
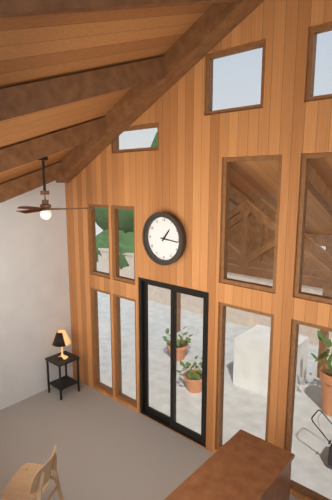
1:16
